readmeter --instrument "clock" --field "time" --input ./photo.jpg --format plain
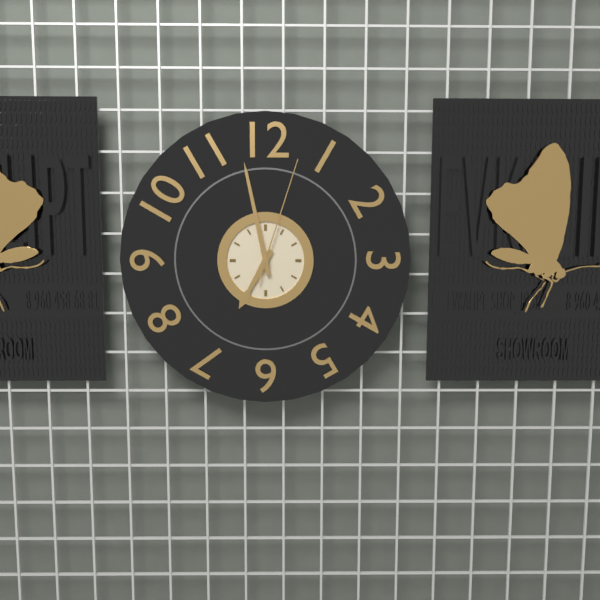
6:58:03
